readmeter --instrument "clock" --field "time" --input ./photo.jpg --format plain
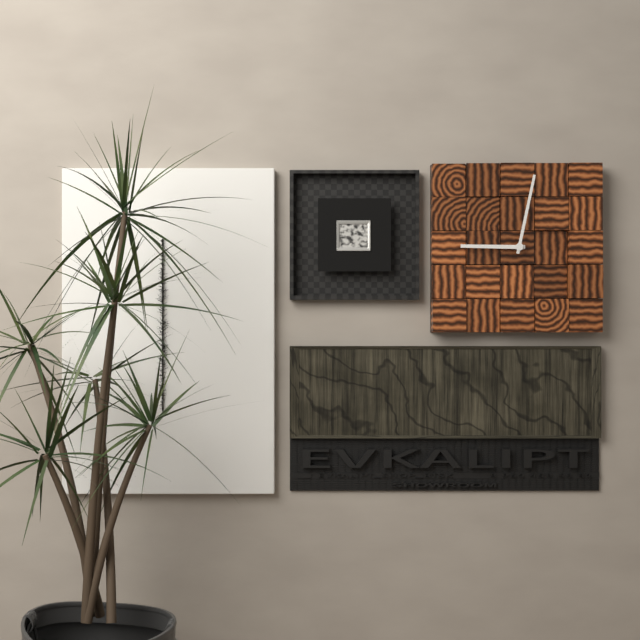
9:02
